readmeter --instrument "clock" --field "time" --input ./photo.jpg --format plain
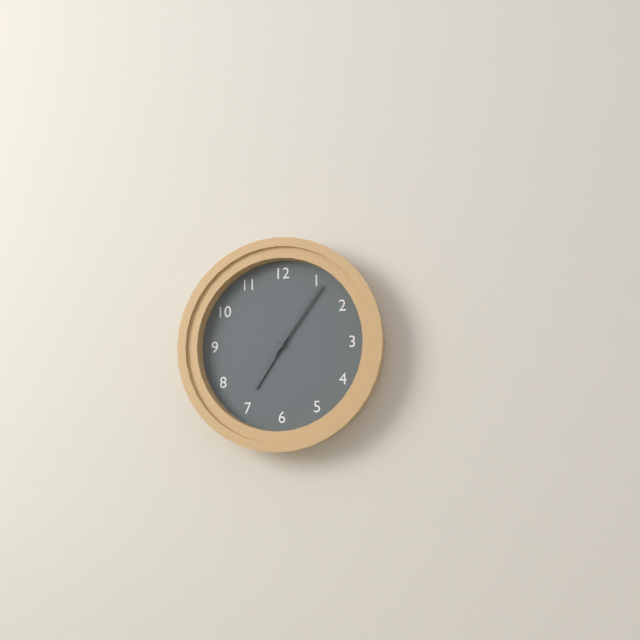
7:06
